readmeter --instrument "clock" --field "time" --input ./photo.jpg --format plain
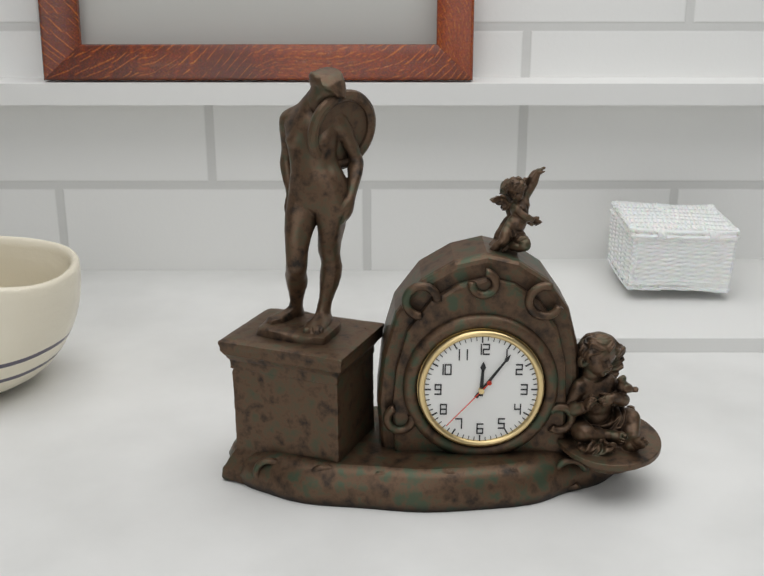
12:06:37
